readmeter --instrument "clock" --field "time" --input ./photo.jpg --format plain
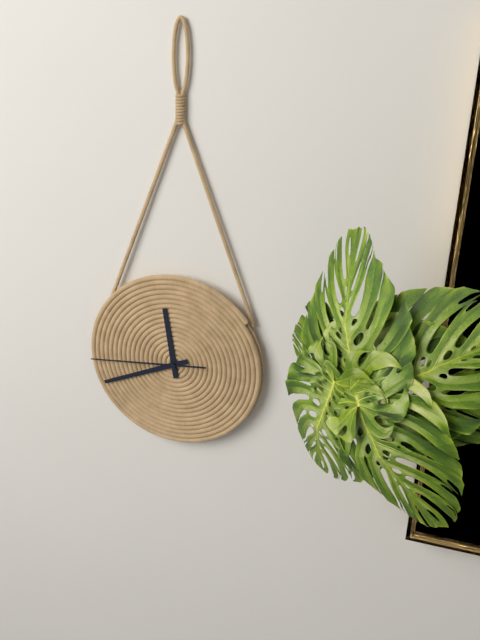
11:41:44
